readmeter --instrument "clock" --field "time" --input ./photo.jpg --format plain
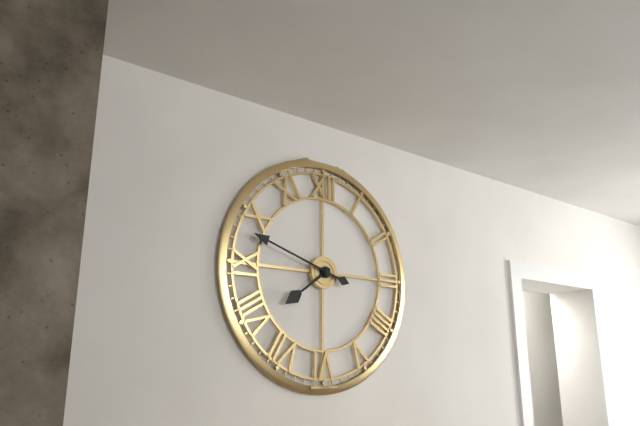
7:48
